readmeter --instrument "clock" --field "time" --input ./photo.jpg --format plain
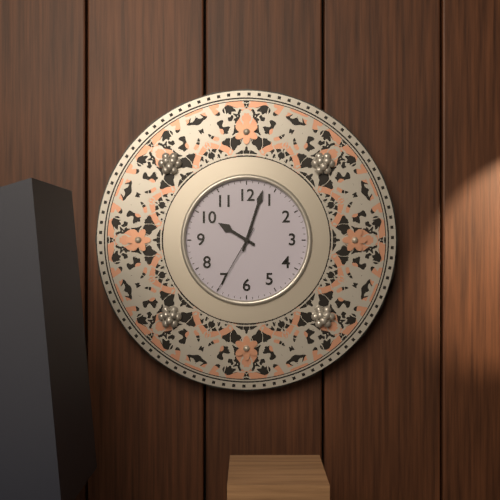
10:03:35
